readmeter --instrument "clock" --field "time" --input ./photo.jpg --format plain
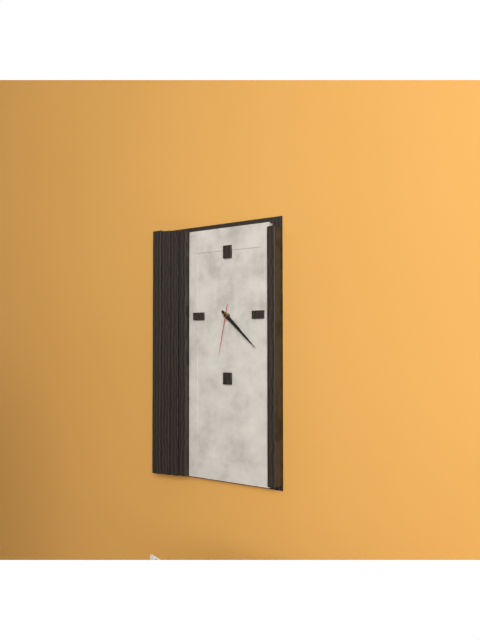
4:22:32
